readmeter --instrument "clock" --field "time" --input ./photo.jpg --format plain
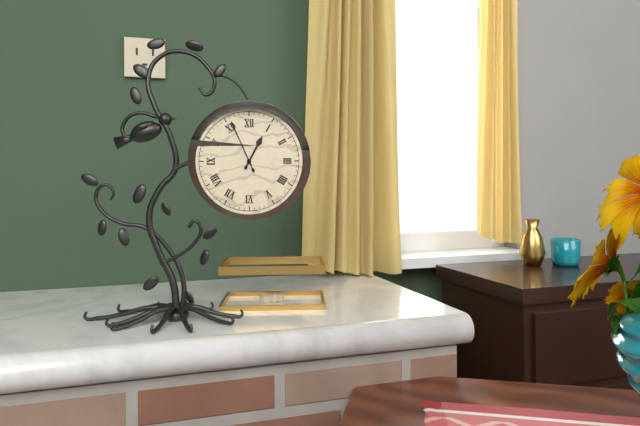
12:56
